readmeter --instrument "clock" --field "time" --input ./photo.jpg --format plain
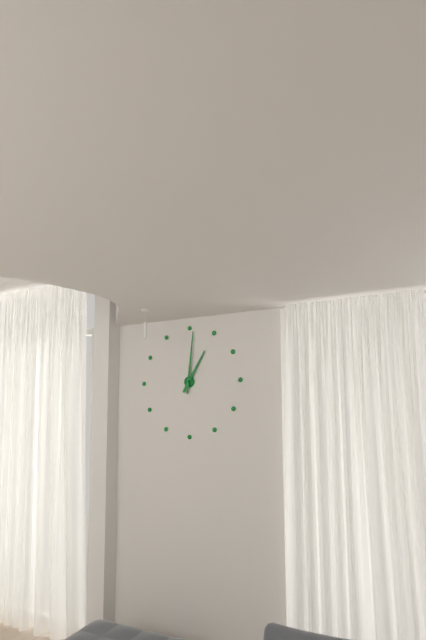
1:01
